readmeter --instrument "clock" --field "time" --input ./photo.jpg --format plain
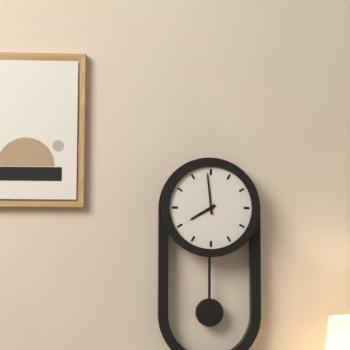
7:59
